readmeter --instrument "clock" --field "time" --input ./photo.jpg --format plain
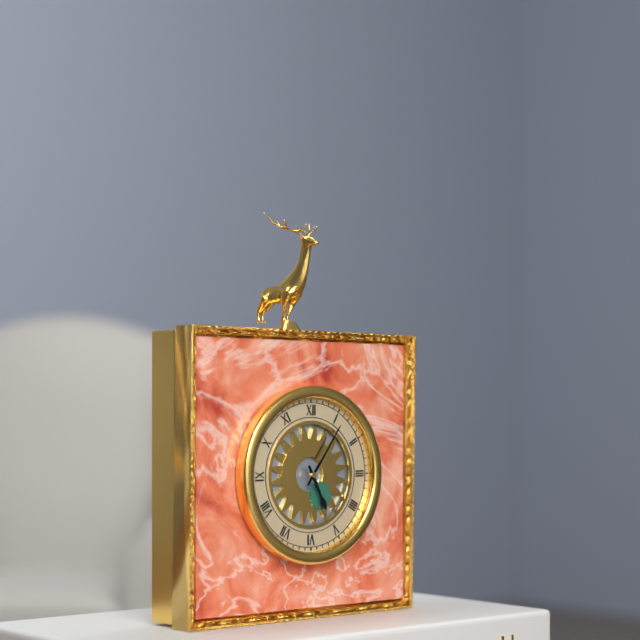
5:06
